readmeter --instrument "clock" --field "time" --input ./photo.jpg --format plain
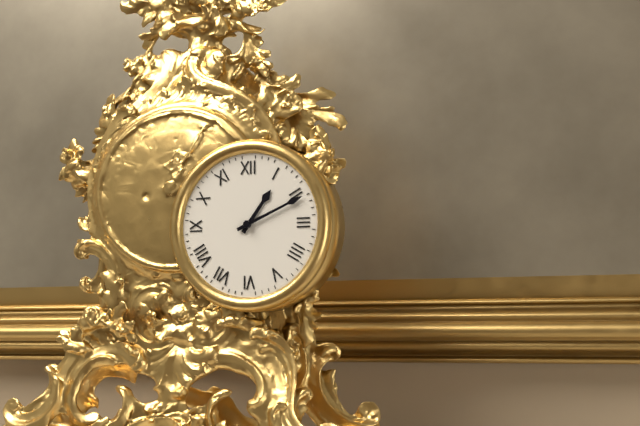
1:11
